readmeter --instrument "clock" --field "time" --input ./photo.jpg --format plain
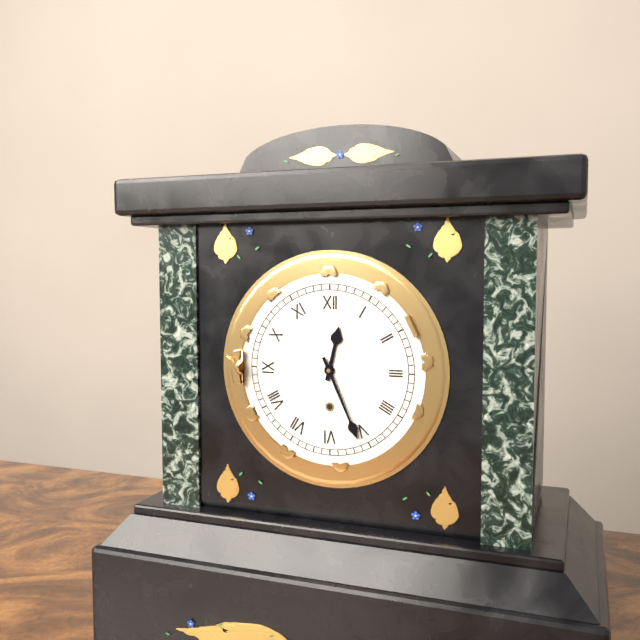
12:26
